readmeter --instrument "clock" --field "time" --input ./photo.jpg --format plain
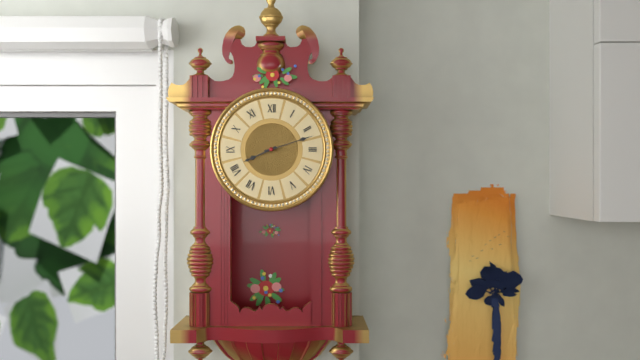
8:12
